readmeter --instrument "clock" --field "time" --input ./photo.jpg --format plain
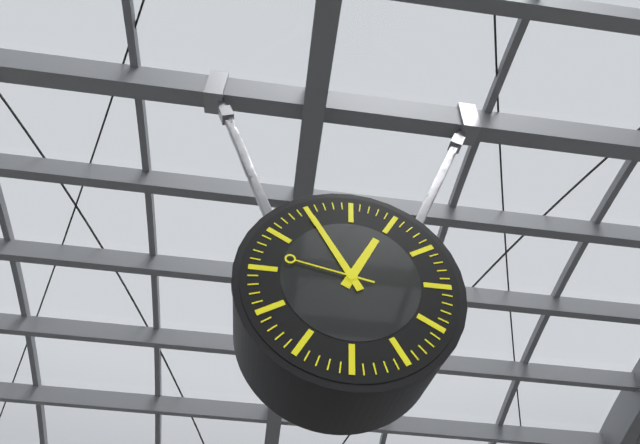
12:55:47
